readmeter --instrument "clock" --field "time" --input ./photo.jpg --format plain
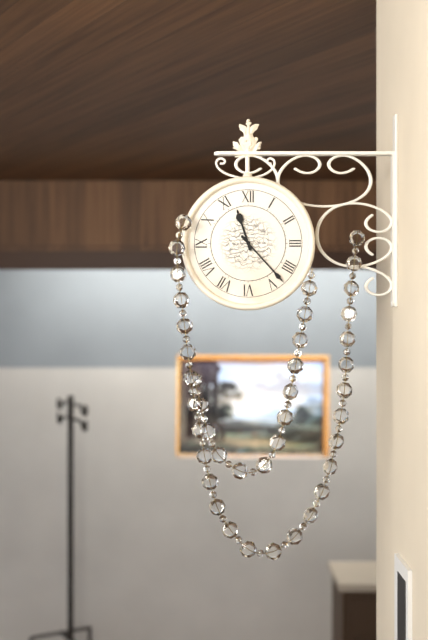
11:23
